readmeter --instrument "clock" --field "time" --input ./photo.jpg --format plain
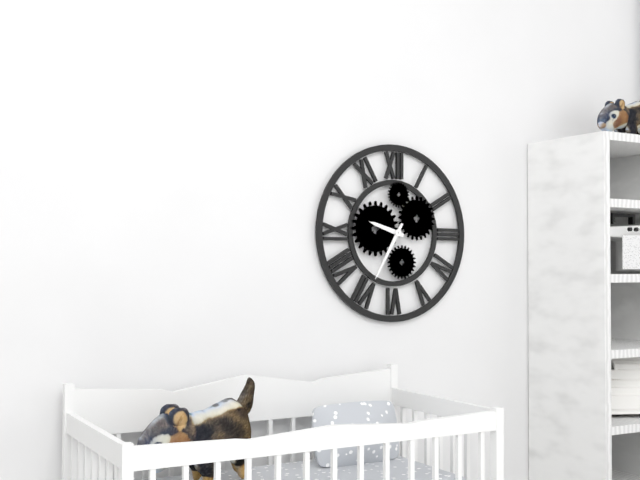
9:35
